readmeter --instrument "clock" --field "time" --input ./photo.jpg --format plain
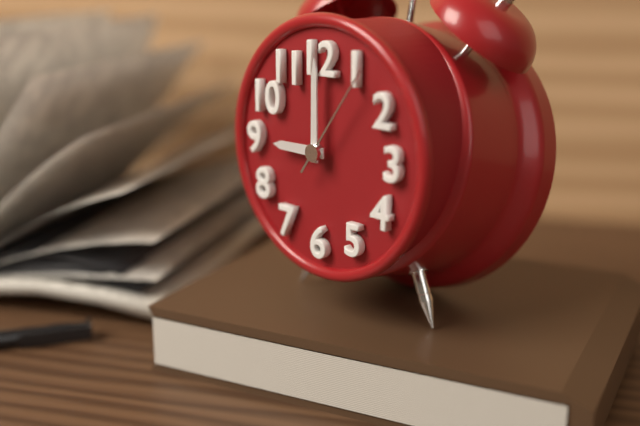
9:00:06
